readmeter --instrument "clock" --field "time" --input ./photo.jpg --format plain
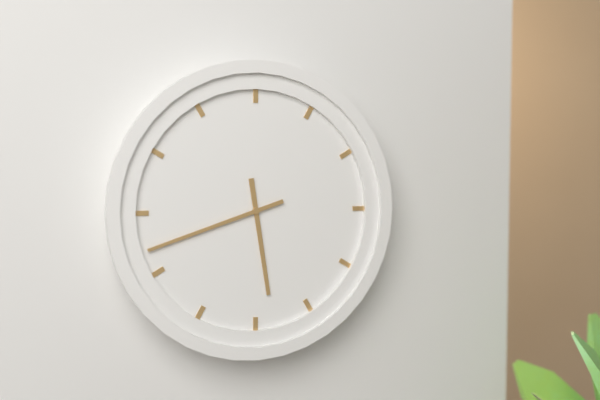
5:42
